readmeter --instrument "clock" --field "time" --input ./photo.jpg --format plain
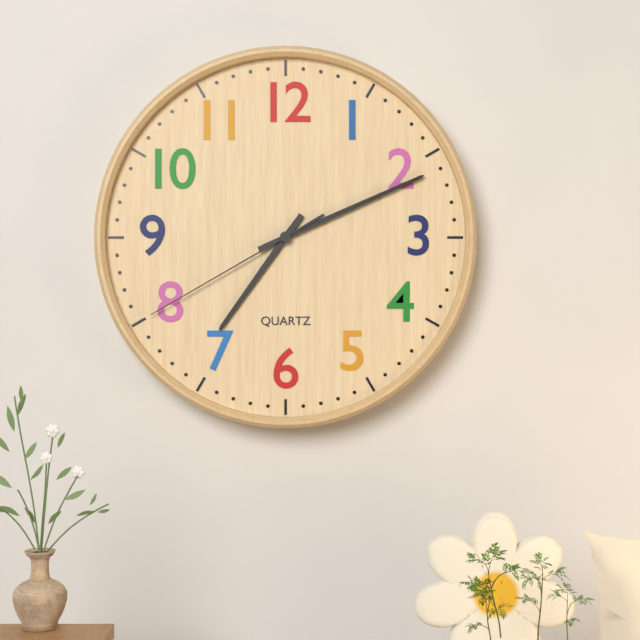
7:11:40
